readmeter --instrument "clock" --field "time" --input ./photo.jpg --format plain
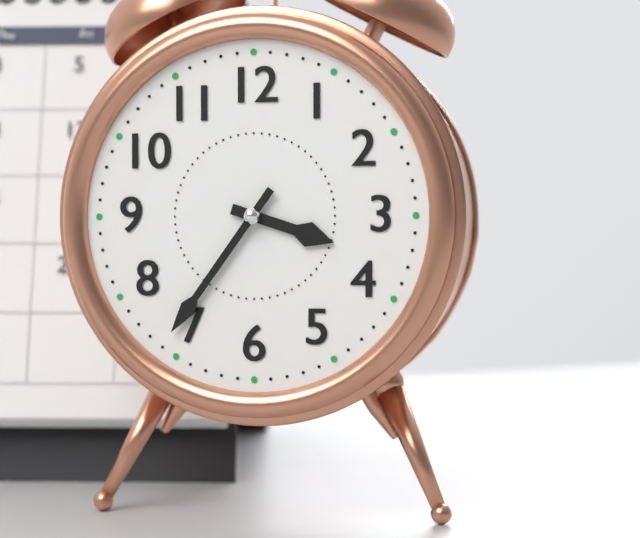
3:36
